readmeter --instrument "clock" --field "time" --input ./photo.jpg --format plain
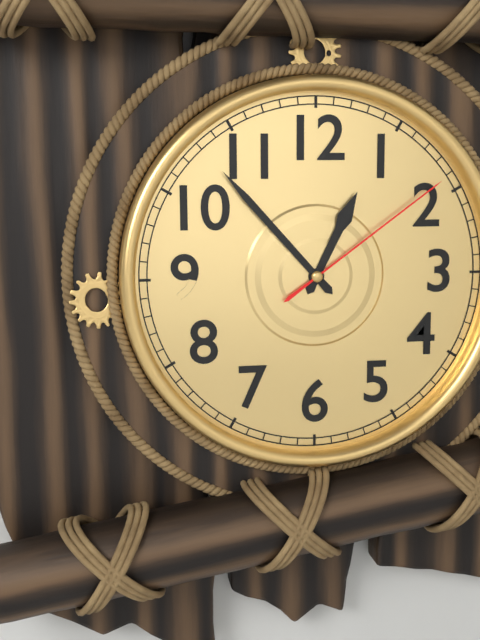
12:53:09
